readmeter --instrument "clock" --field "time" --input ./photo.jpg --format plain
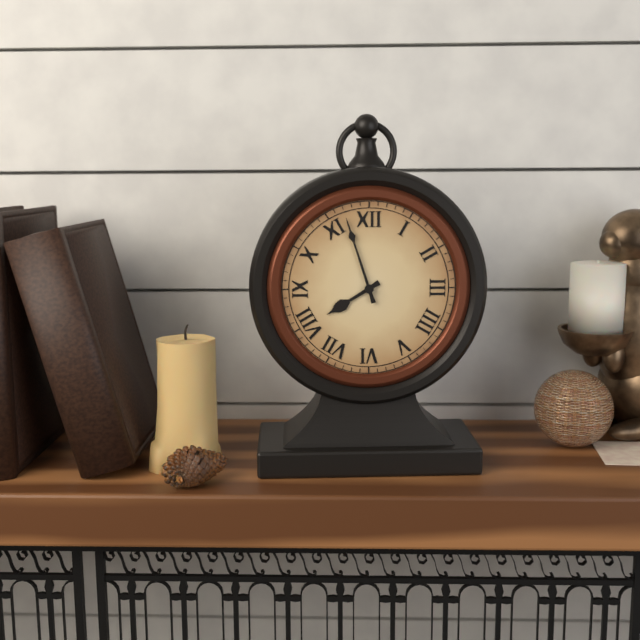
7:57
